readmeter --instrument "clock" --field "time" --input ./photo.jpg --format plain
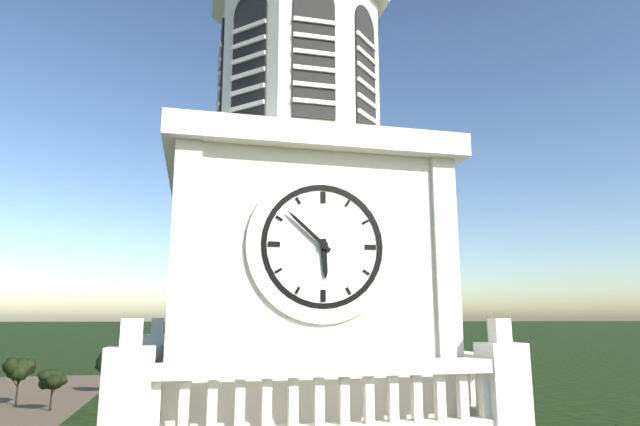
5:52
